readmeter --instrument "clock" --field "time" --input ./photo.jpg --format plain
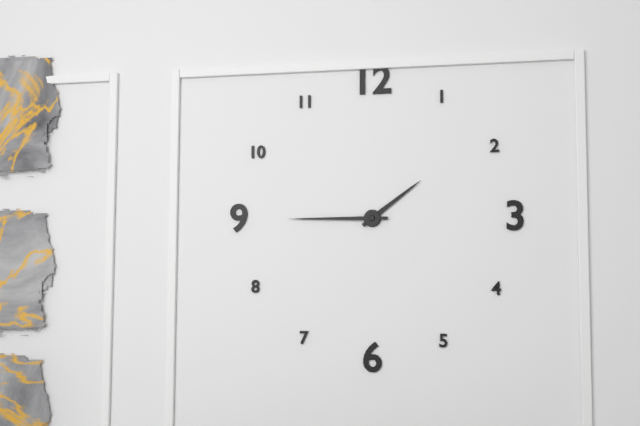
1:45
